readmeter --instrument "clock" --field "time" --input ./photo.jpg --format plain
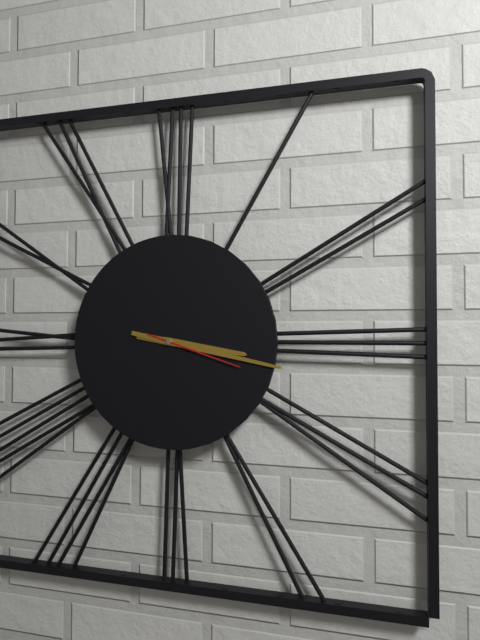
3:17:18
